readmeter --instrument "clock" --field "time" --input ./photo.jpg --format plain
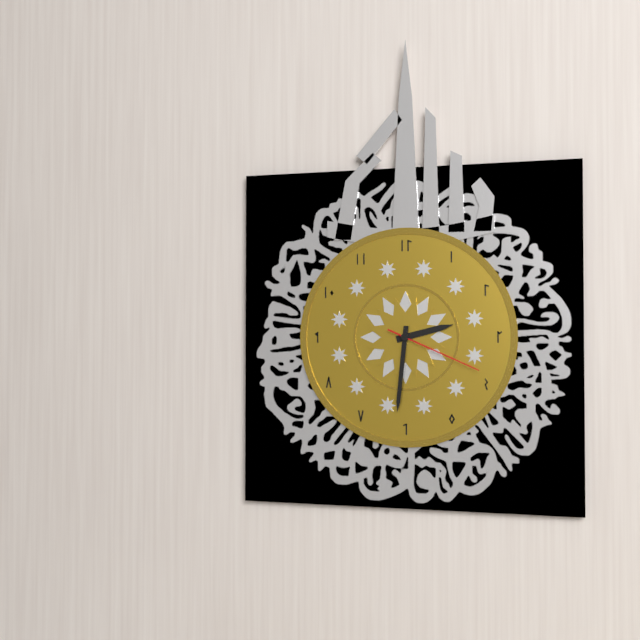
2:31:19
